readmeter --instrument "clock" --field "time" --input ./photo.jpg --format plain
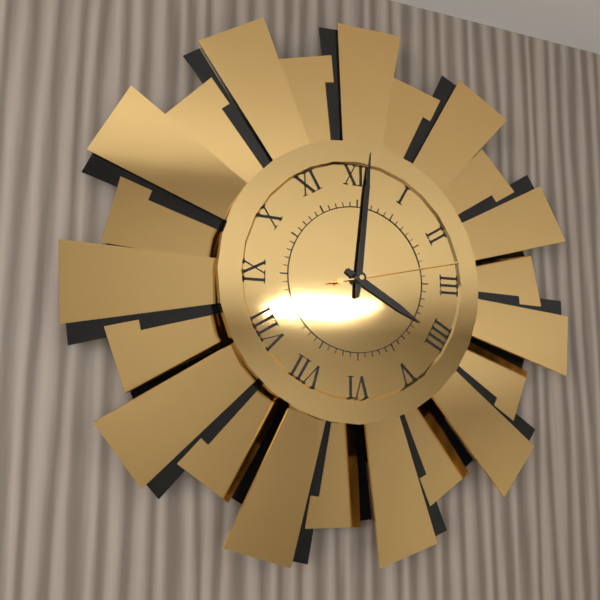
4:01:13
